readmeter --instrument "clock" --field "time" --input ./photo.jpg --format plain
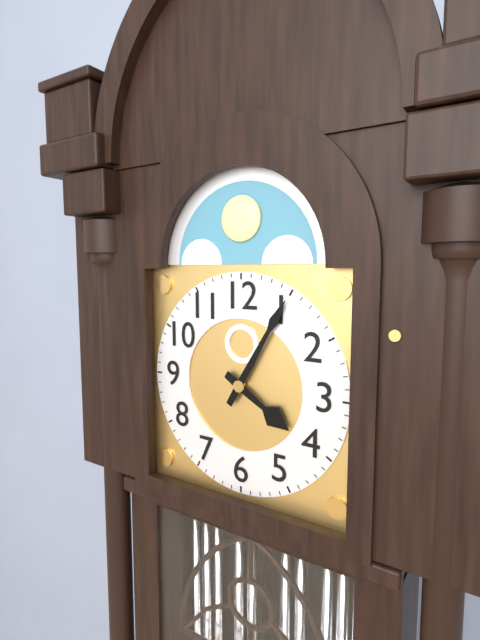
4:05
